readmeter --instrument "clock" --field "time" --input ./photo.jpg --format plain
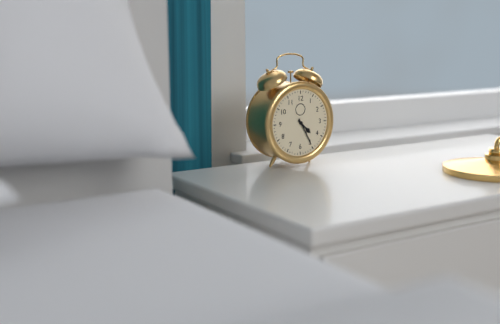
4:25
